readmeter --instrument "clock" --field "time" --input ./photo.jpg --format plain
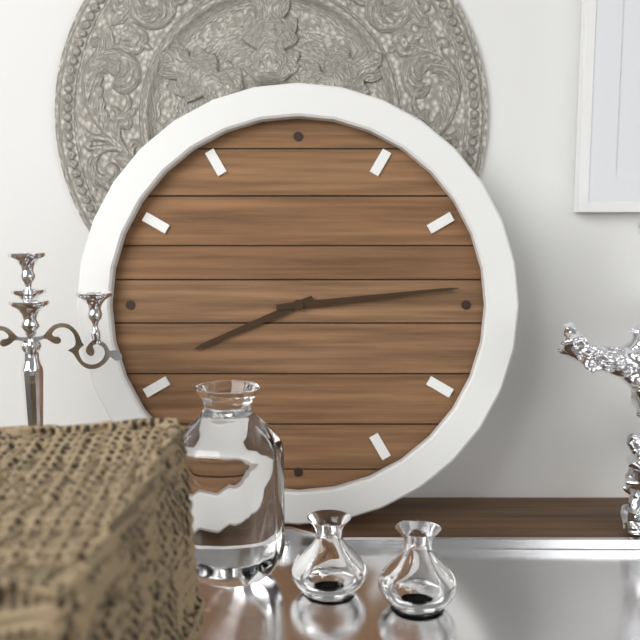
8:14
